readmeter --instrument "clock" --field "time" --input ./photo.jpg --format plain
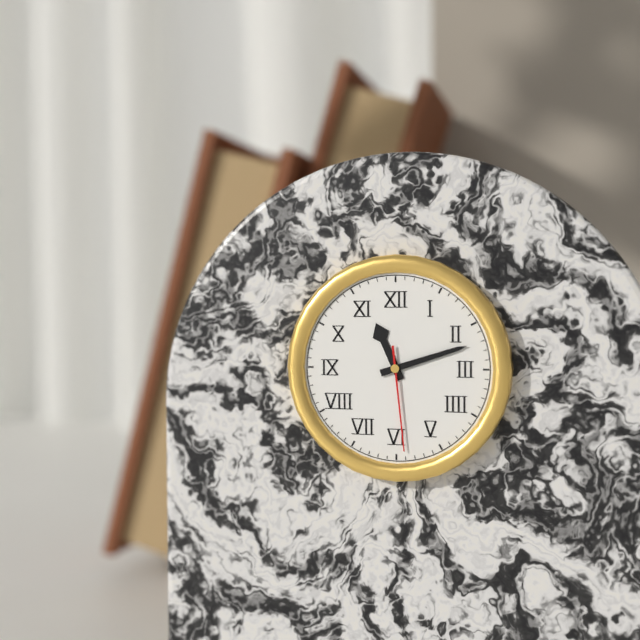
11:12:29
